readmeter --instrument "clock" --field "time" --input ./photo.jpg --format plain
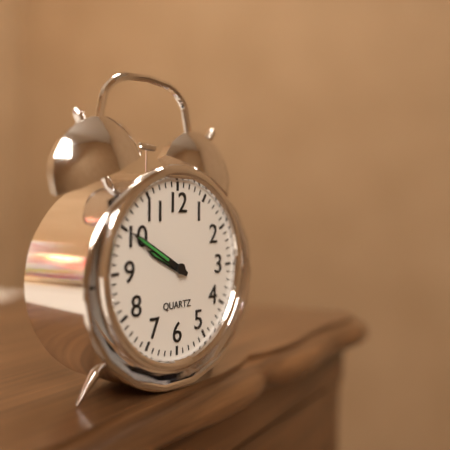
9:50
